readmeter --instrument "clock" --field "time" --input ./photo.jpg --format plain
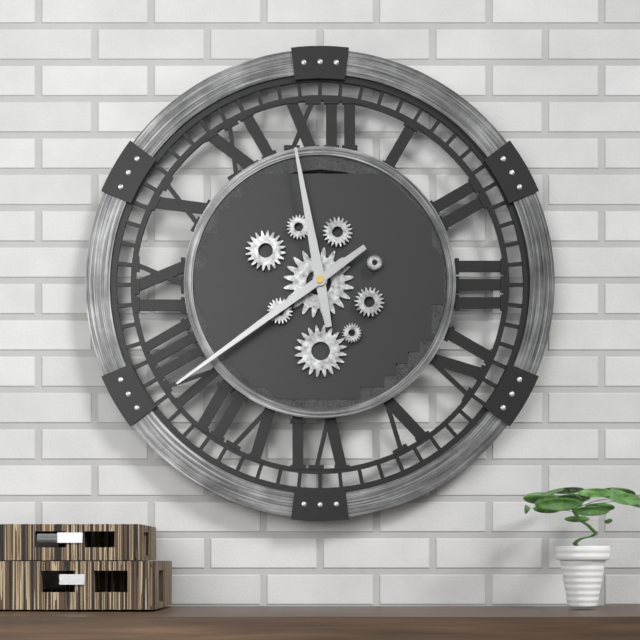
11:39
